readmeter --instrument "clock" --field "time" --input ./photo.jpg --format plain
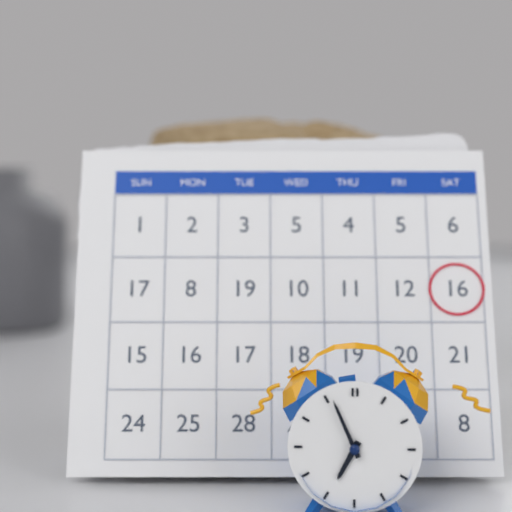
6:56
